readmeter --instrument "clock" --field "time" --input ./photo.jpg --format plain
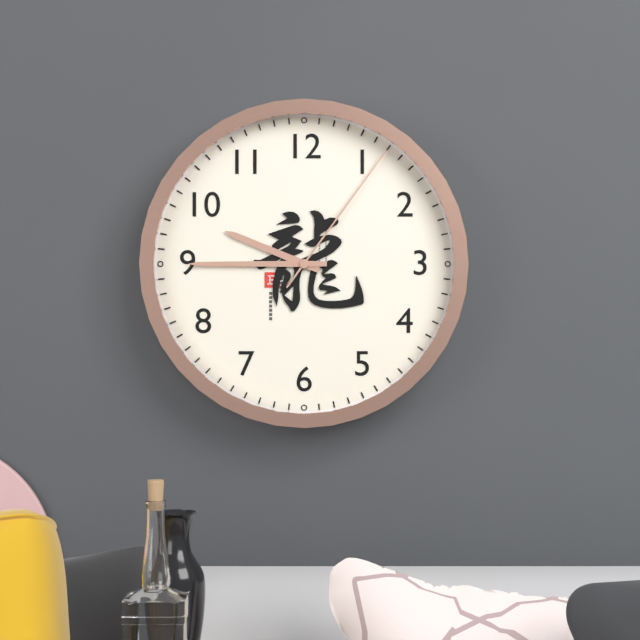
9:45:06
